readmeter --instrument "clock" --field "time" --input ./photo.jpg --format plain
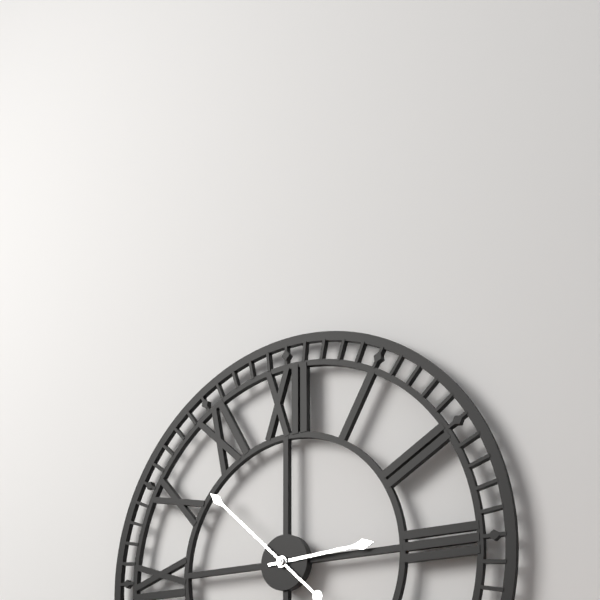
2:52
